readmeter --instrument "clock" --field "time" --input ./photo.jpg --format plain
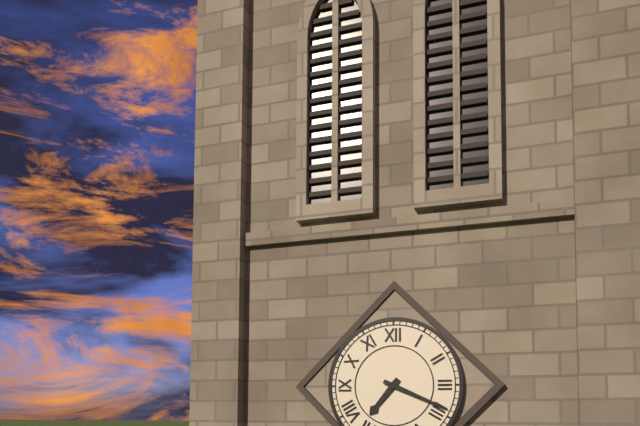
7:19
